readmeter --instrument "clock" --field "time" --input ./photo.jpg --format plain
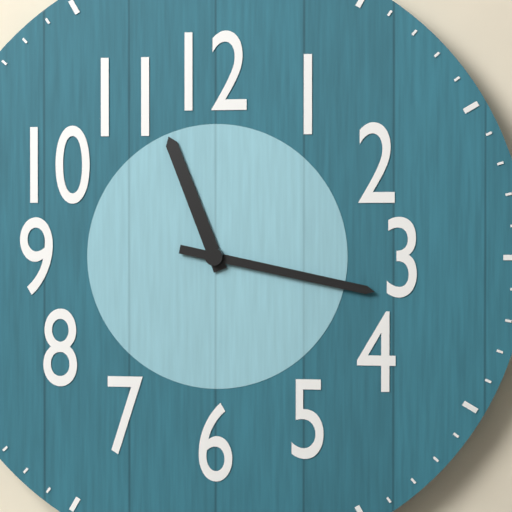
11:17
